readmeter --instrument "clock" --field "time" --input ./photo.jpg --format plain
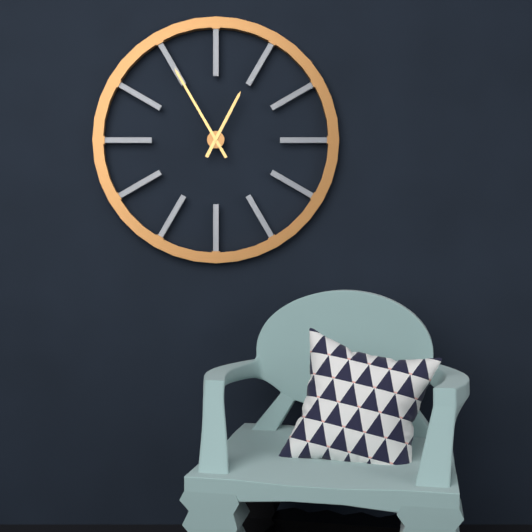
12:55
